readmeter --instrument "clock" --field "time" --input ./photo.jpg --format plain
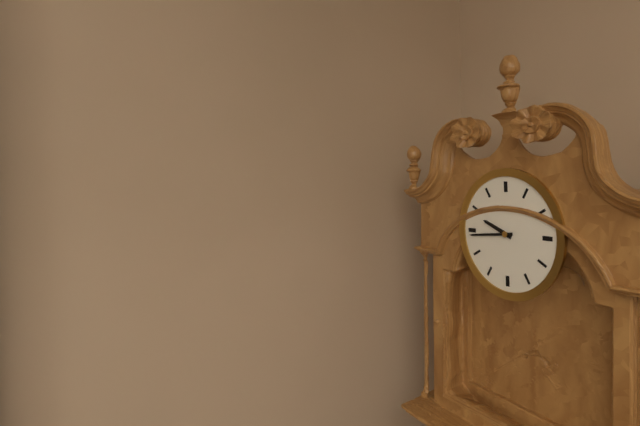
9:44
